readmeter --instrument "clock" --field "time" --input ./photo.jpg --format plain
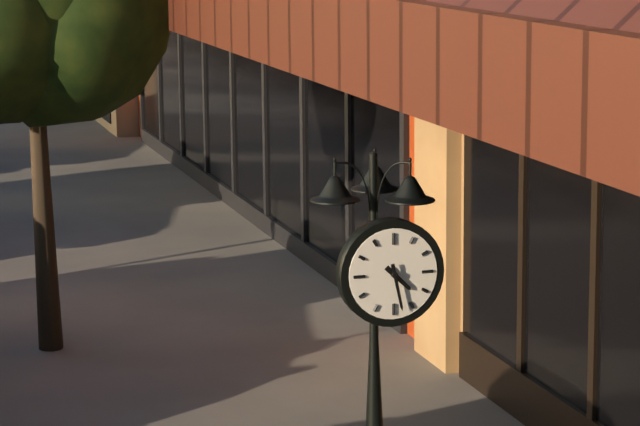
4:28
